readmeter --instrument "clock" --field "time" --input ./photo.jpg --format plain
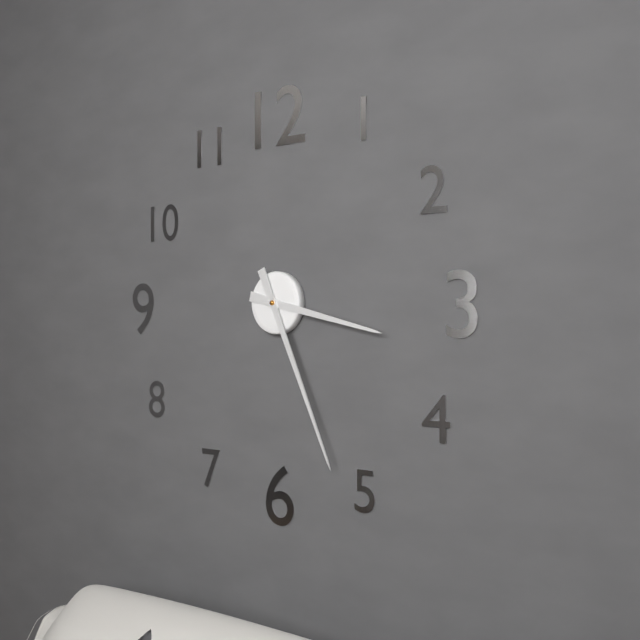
3:26
